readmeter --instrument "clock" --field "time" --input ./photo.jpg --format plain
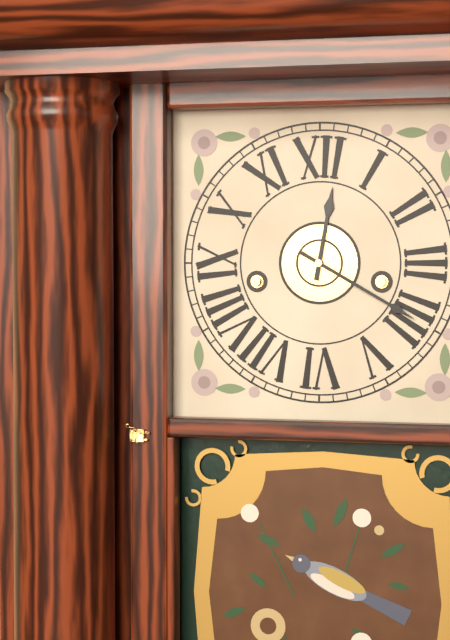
12:20
